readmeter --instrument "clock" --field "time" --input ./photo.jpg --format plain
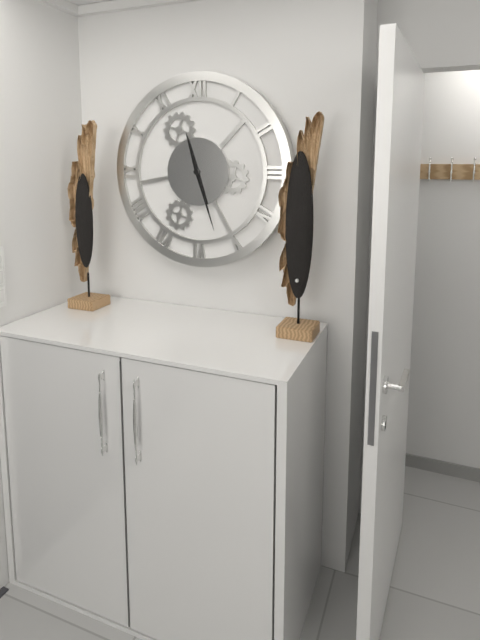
11:27
